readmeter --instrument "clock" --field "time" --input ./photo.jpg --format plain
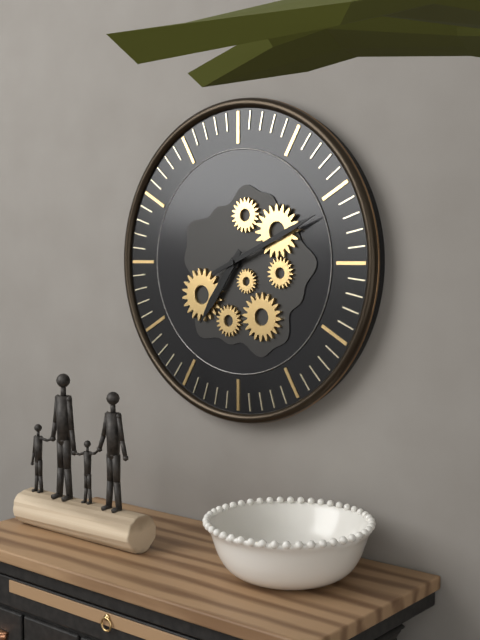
7:11
